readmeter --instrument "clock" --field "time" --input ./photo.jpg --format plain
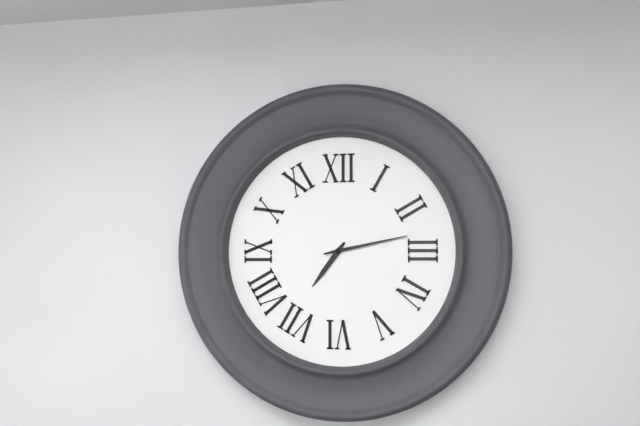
7:13
